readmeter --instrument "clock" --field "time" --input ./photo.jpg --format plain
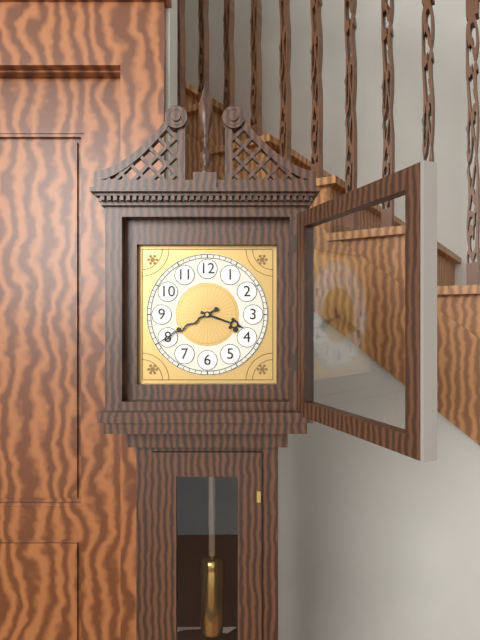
3:40
